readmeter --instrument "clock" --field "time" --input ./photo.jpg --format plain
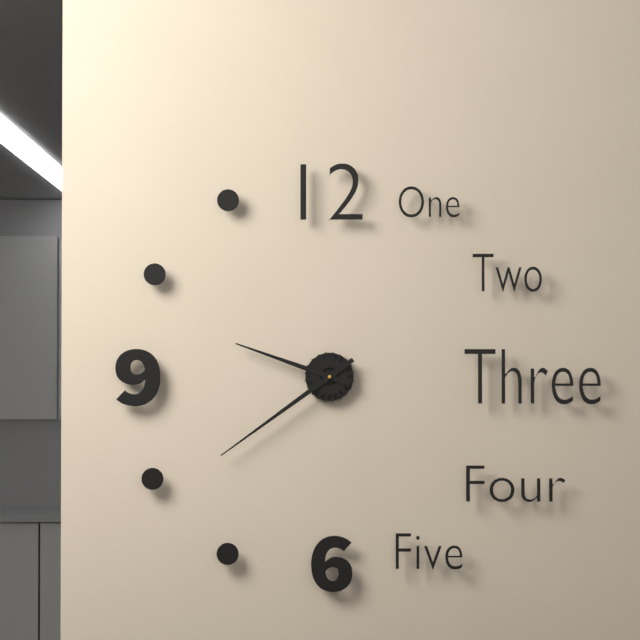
9:39
